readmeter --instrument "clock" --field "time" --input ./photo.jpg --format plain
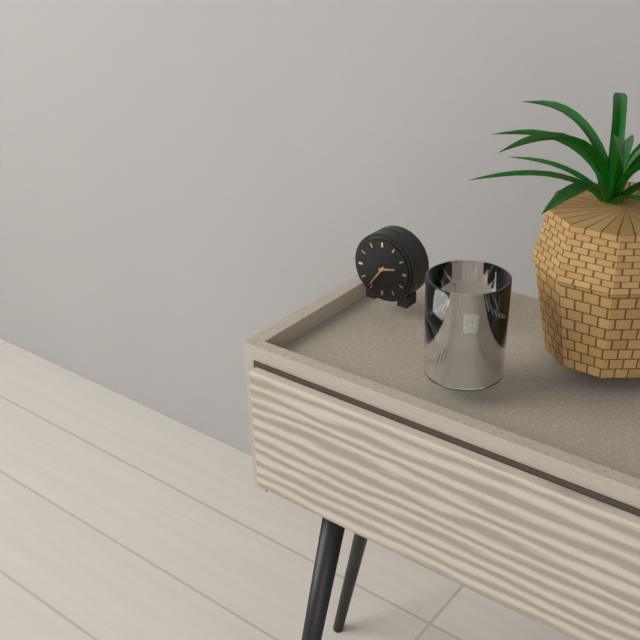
2:36
